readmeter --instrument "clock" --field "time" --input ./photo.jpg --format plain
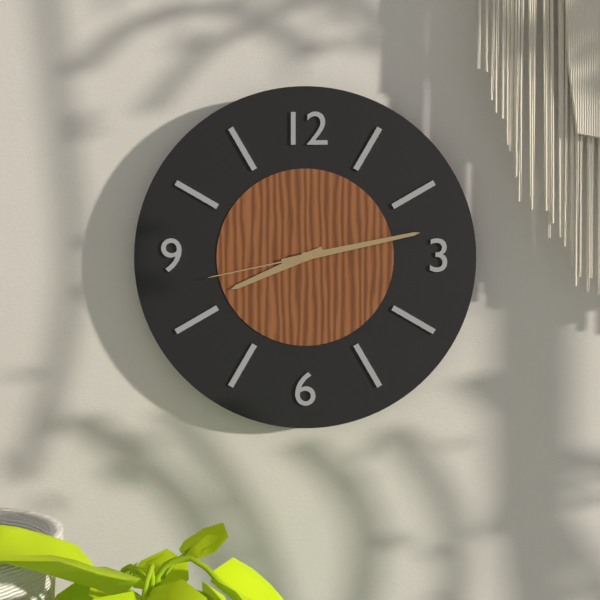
8:13:43
